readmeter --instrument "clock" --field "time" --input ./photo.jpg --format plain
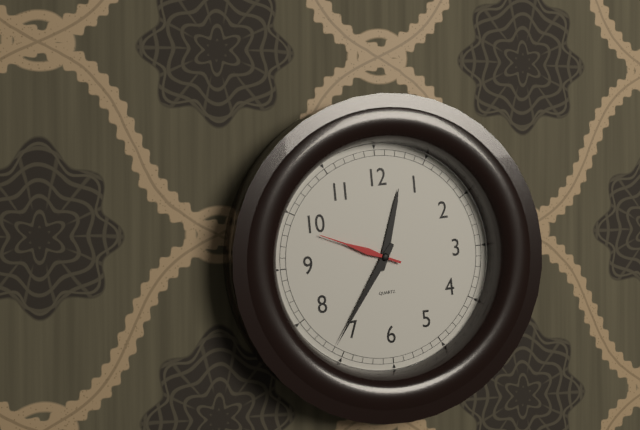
12:36:49
